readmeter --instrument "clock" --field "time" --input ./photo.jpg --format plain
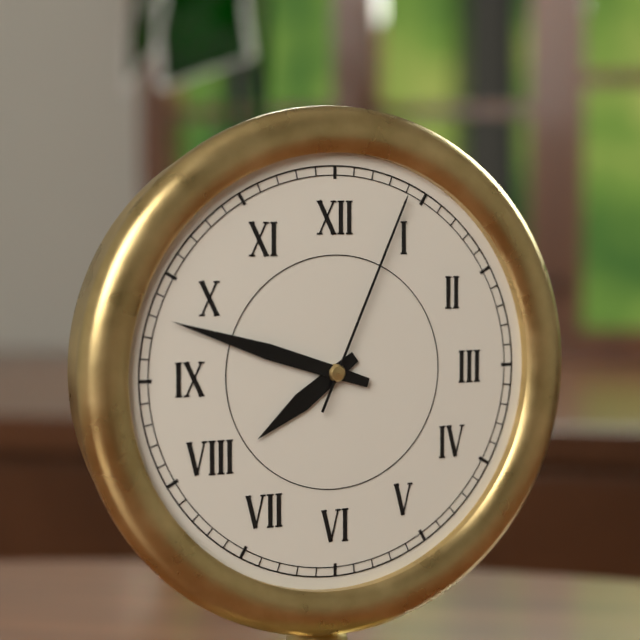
7:48:04
